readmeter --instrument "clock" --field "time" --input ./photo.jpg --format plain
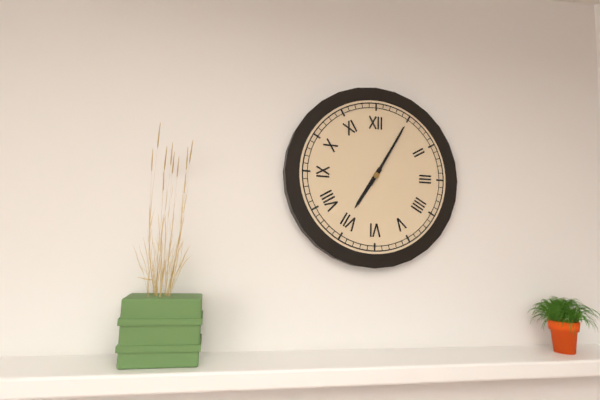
7:05
